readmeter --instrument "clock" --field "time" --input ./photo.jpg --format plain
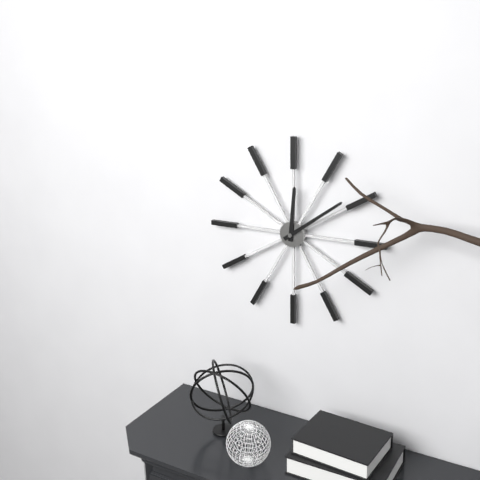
12:09
